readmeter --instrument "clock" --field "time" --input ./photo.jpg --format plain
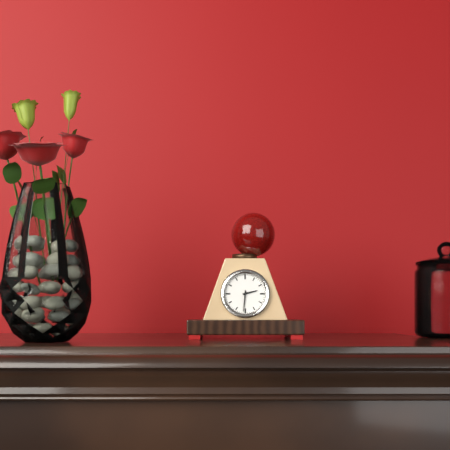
2:31
